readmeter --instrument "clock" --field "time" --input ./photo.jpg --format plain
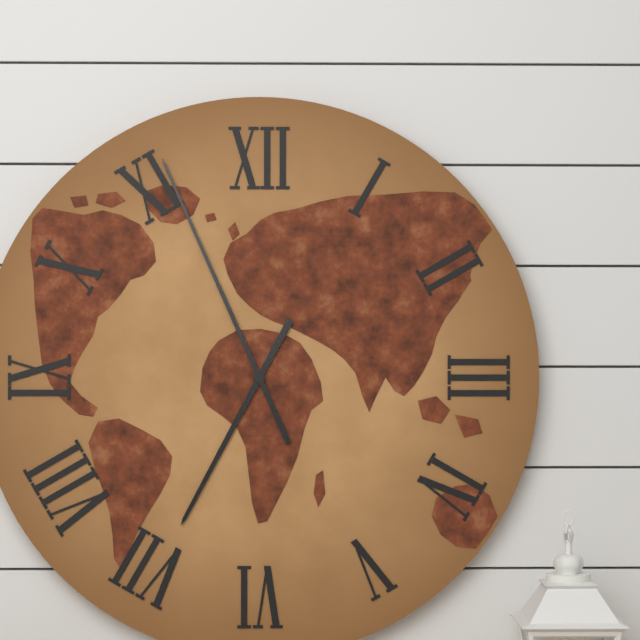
6:56
